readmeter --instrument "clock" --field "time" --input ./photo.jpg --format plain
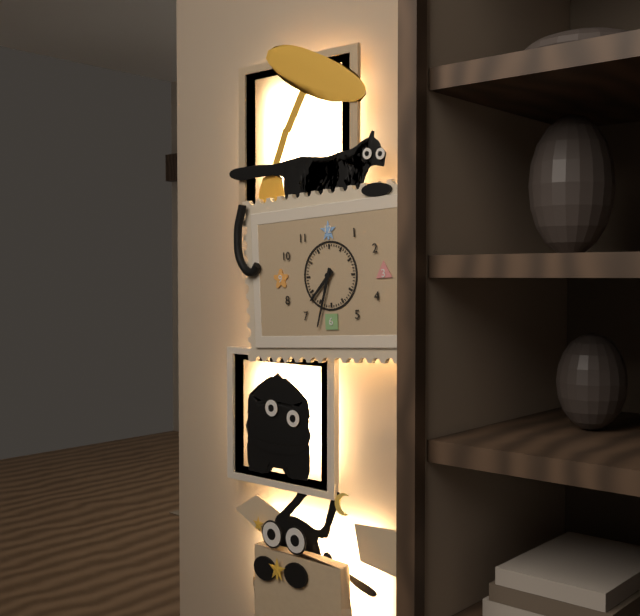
7:33
